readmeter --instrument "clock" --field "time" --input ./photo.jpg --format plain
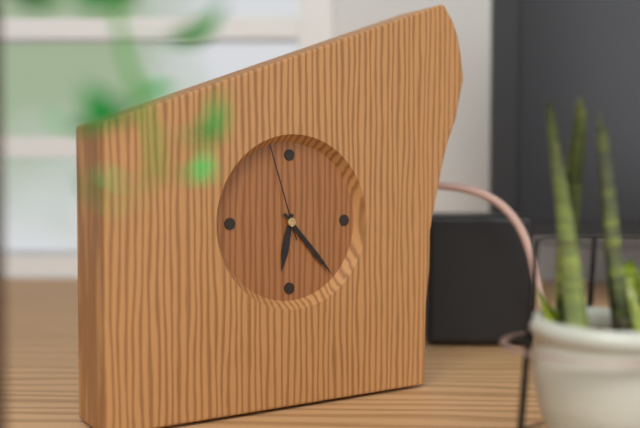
6:23:57
